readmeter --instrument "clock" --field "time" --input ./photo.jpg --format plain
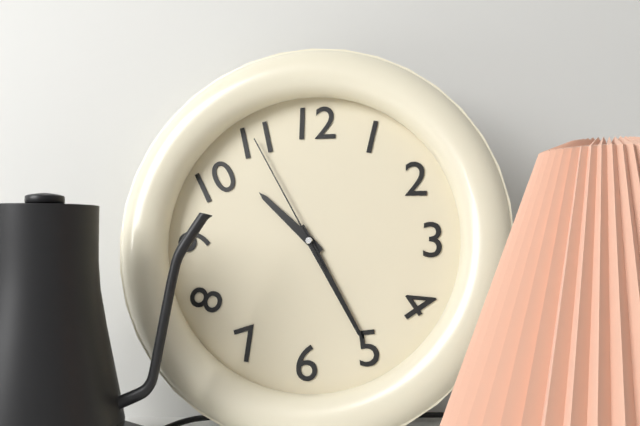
10:25:55
